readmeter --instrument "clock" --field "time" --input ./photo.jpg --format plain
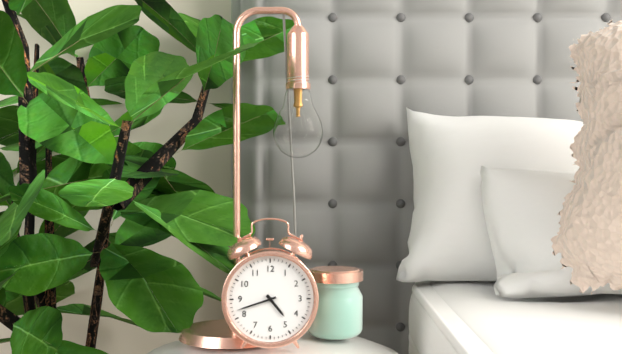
4:42
